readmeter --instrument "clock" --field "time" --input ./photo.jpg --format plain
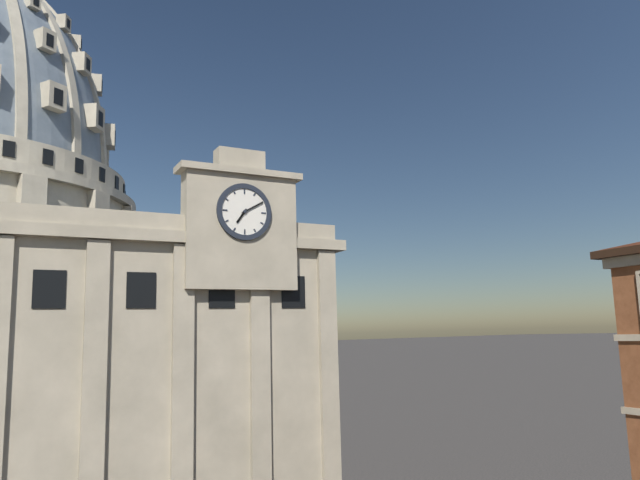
7:10
